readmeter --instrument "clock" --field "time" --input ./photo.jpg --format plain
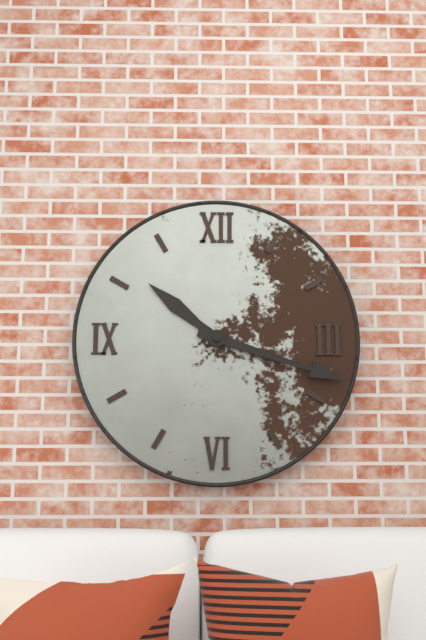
10:18
